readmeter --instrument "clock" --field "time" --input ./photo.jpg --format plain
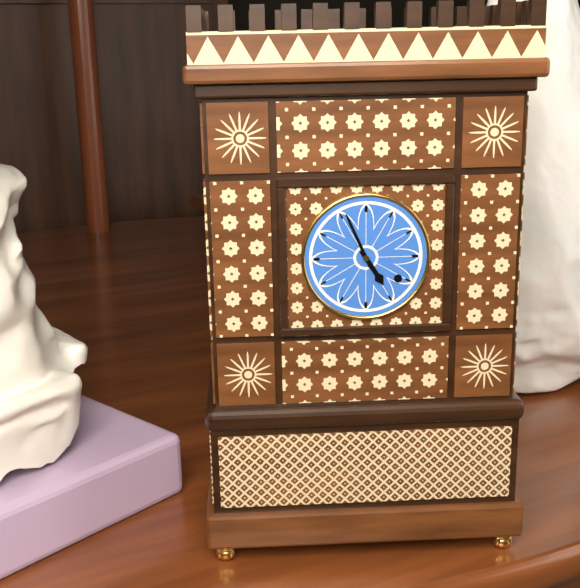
4:56
